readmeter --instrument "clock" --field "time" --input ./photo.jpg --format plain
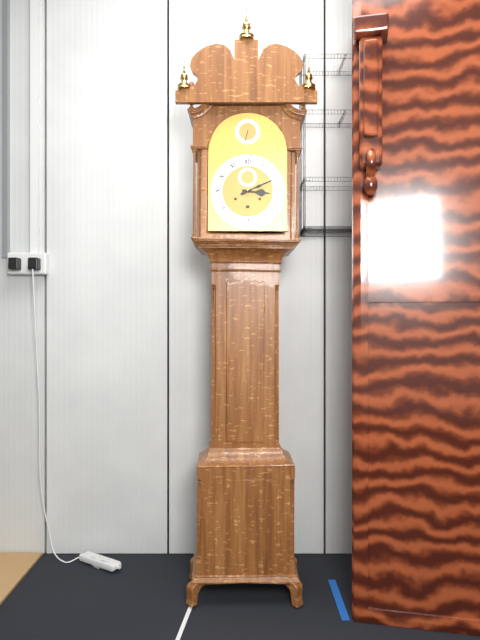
3:11
